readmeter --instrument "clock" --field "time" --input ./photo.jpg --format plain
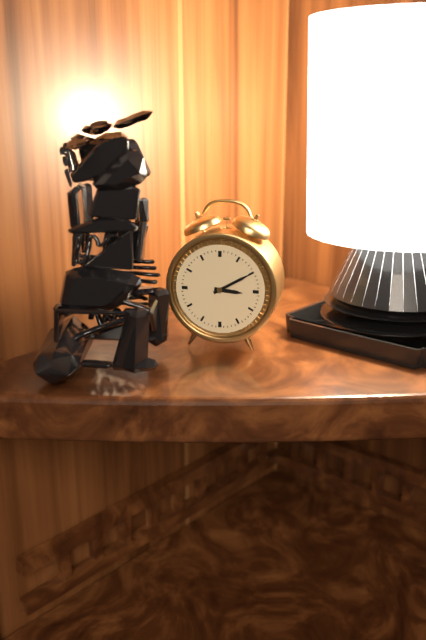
3:10
